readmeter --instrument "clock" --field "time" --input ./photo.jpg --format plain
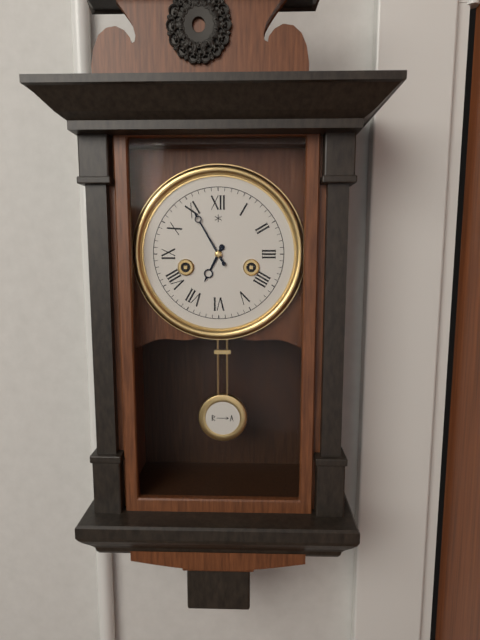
6:55
